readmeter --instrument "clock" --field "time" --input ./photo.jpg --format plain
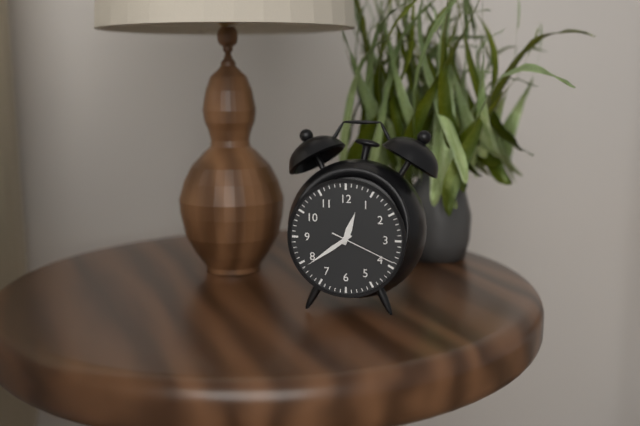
12:39:19
